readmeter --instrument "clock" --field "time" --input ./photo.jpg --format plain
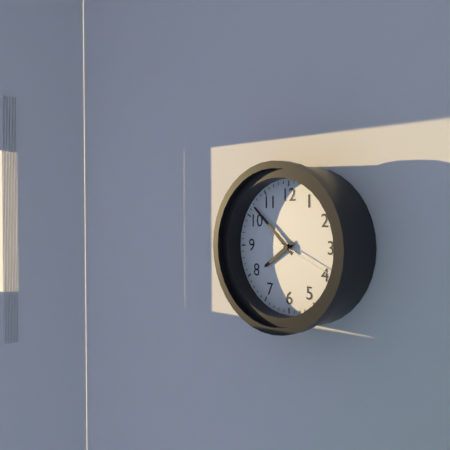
7:52:19
